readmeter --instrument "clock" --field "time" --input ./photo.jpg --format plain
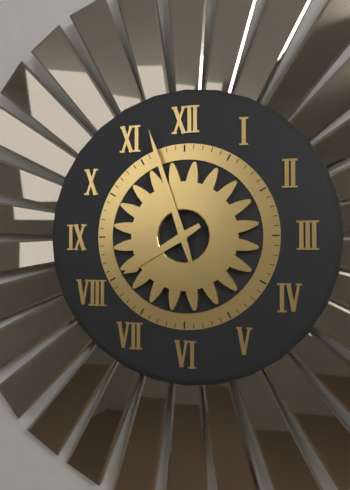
7:57
